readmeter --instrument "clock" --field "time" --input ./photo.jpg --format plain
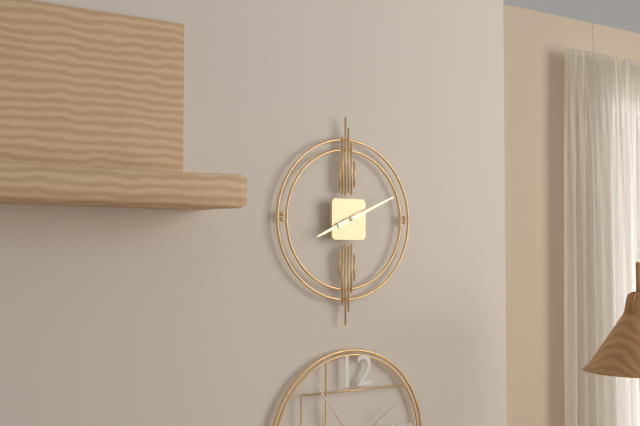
8:11
